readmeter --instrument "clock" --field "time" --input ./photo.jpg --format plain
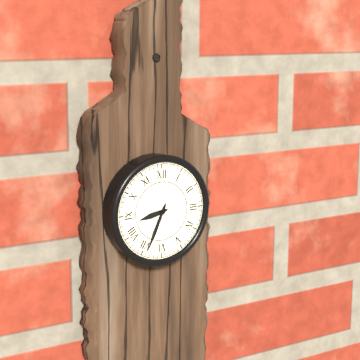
8:34
